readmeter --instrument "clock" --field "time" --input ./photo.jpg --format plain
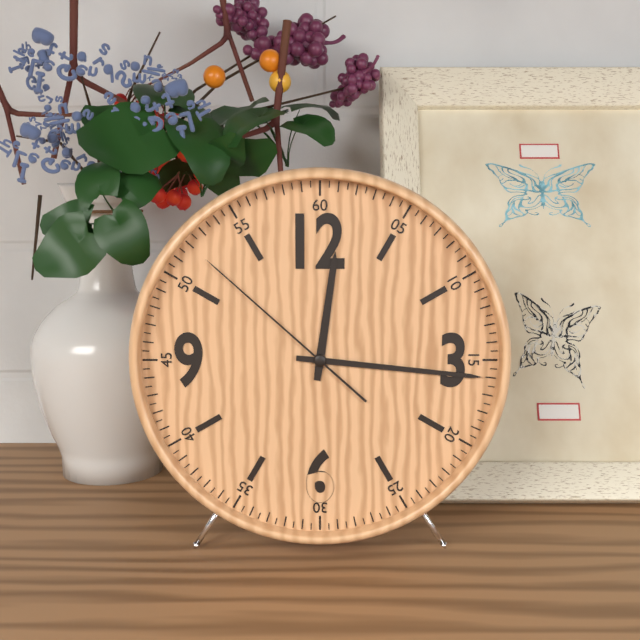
12:16:52
